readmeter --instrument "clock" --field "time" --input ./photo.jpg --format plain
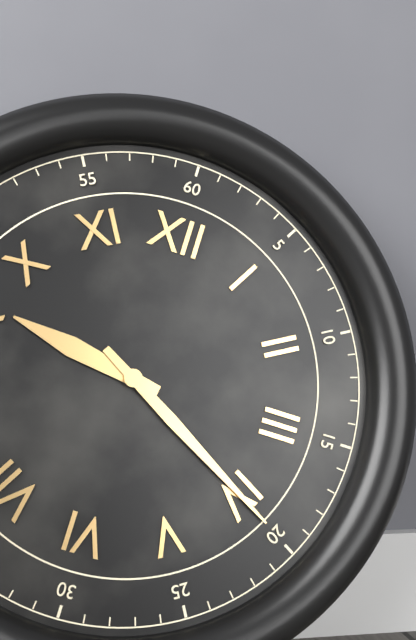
9:20
